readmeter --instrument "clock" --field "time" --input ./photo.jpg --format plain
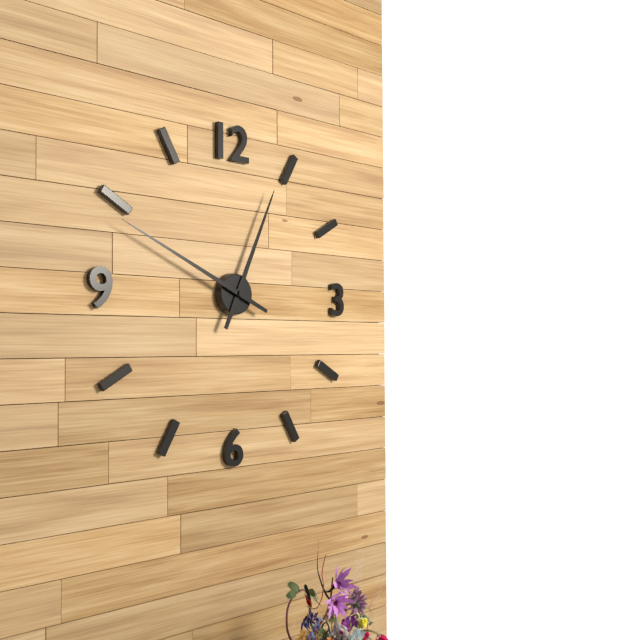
12:49
